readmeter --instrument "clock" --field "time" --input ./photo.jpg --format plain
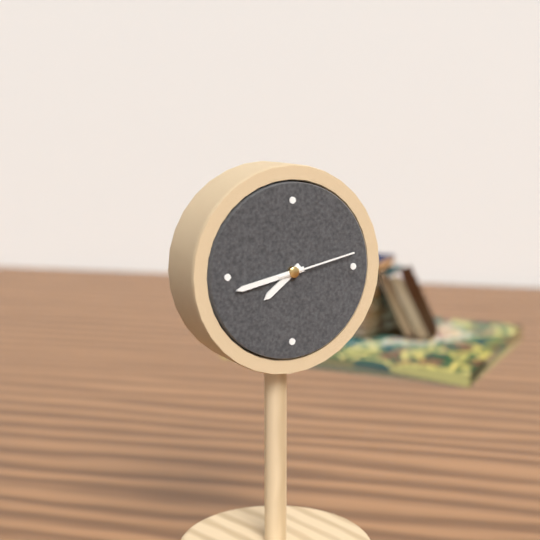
7:43:13
